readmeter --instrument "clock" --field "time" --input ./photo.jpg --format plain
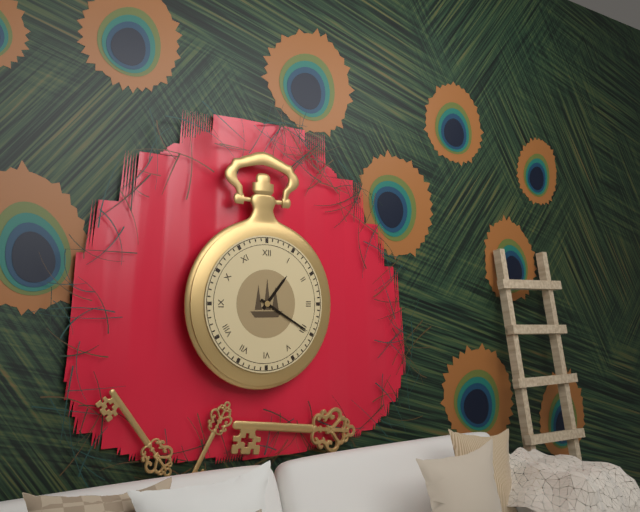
1:20
